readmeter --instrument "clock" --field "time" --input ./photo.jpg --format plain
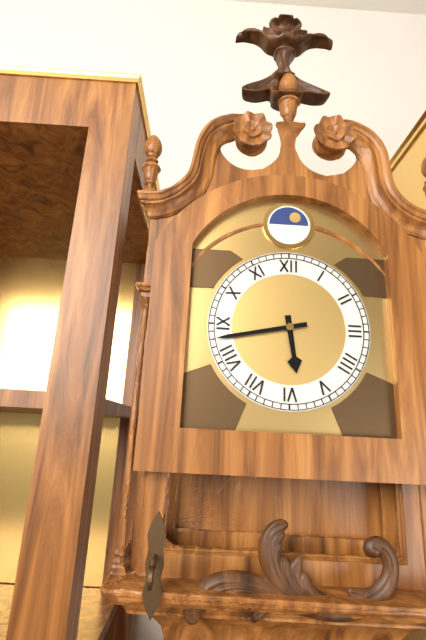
5:43
